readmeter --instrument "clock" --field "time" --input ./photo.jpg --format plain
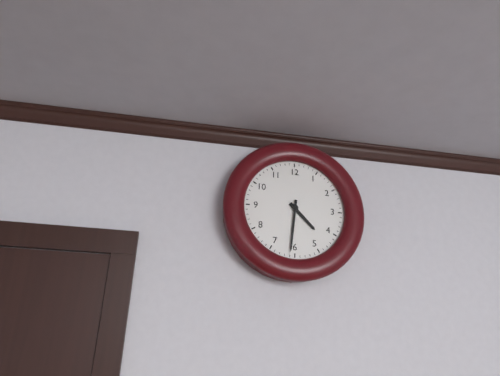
4:31
